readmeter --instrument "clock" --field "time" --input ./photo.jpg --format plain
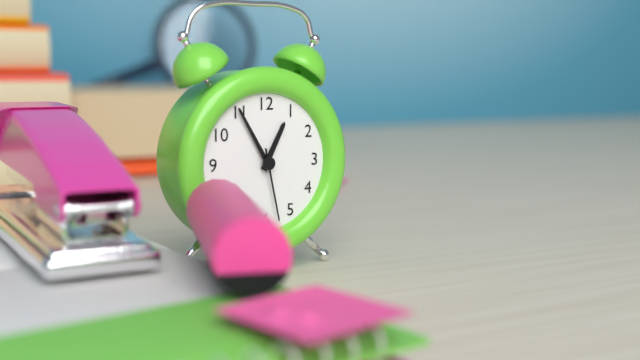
12:55:28
